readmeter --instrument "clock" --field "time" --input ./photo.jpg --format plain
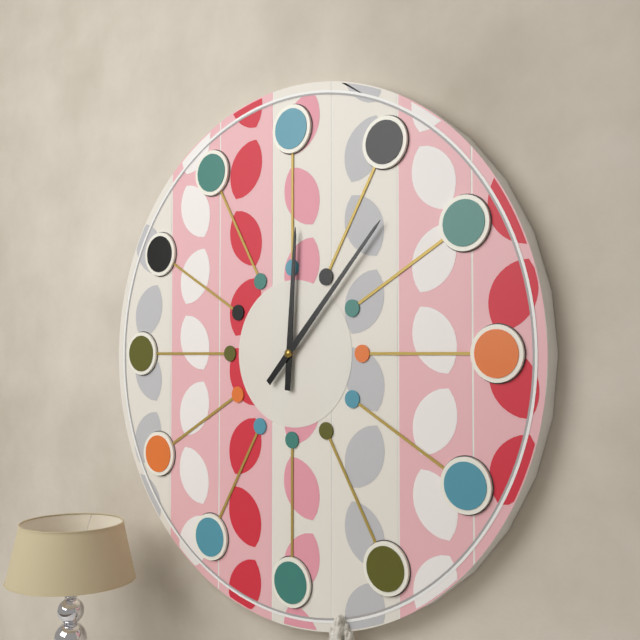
12:07
